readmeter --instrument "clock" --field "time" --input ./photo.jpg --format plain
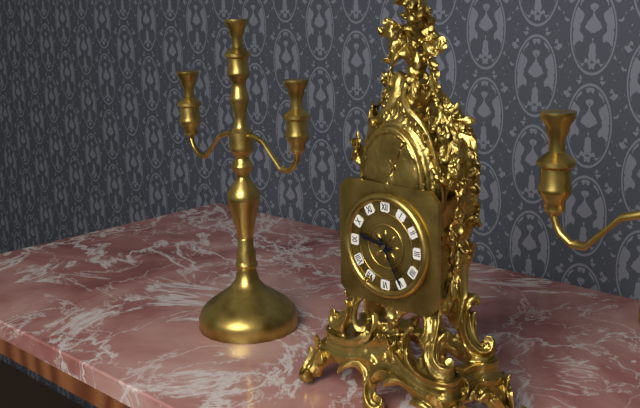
9:25
